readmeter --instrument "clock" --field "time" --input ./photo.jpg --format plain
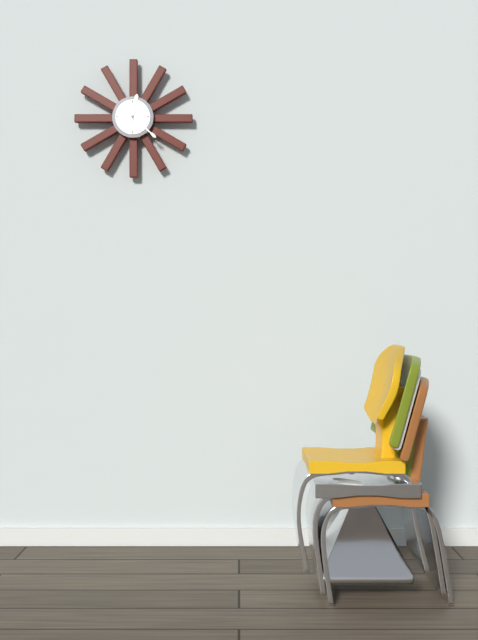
12:22
